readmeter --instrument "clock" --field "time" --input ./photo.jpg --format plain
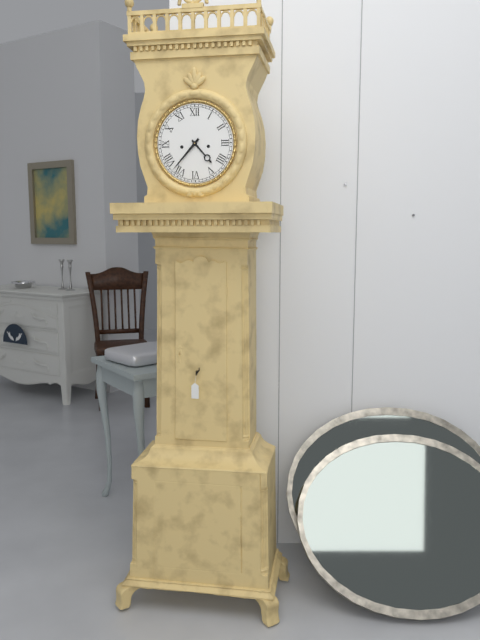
4:37
